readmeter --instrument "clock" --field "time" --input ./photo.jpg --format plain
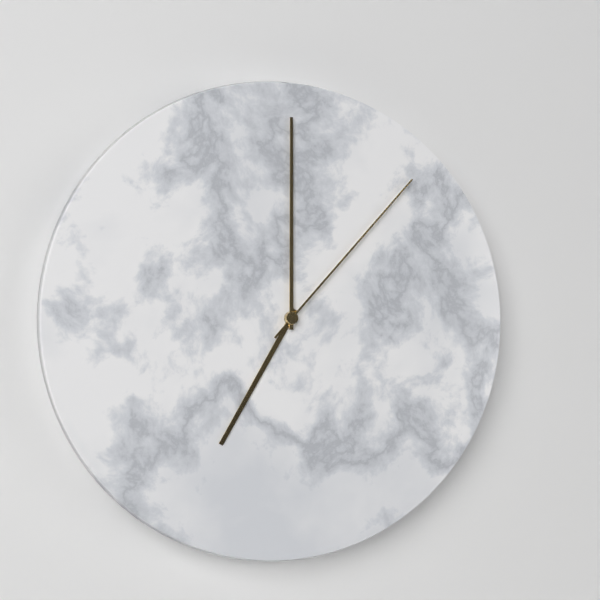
7:00:07
